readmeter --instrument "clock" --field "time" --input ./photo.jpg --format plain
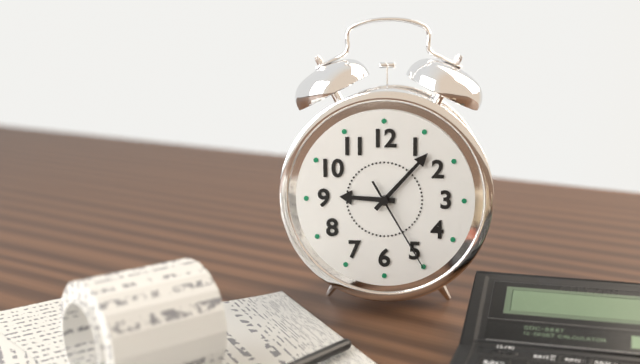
9:07:25
